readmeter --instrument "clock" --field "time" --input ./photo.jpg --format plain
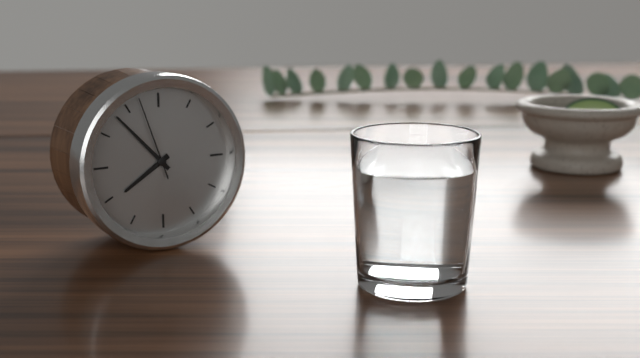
7:53:57
